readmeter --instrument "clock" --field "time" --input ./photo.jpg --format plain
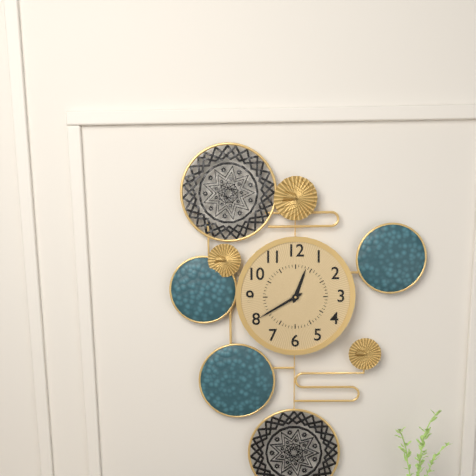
12:40
